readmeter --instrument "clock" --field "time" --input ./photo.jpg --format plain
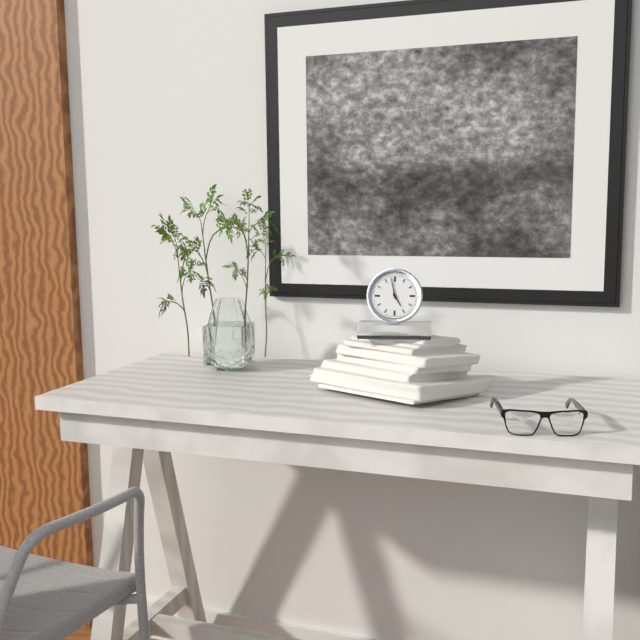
4:58
